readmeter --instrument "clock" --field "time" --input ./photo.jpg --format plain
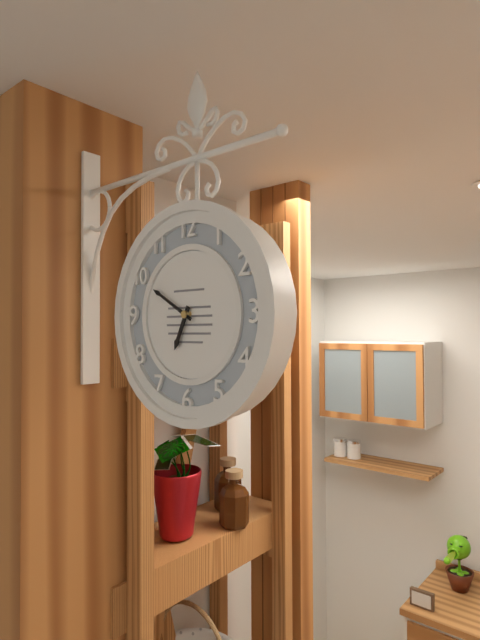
6:50
